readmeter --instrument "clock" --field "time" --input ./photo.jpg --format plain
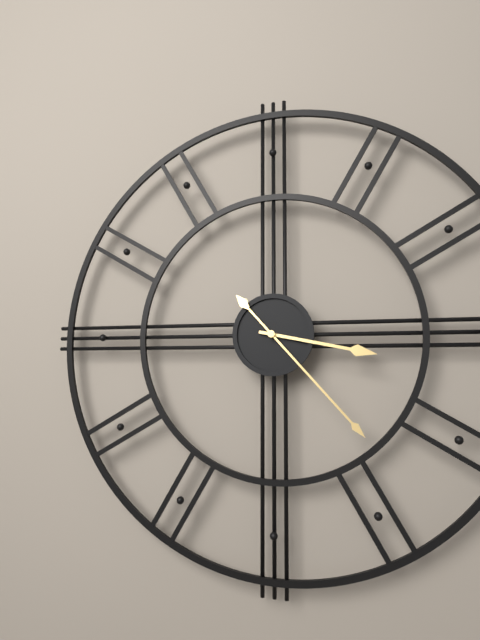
3:23
